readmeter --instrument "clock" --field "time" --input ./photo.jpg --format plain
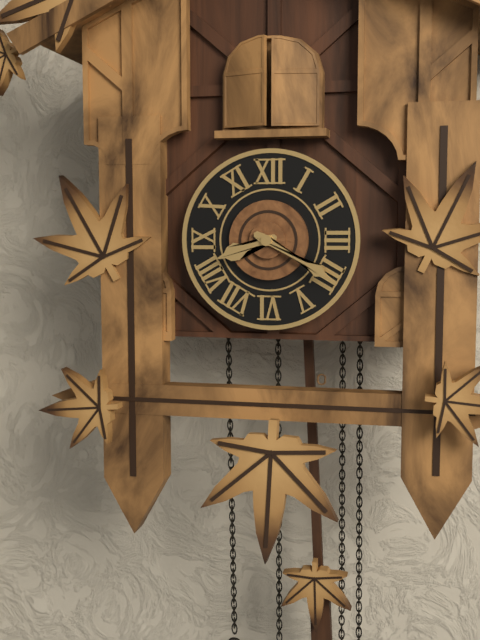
8:20
